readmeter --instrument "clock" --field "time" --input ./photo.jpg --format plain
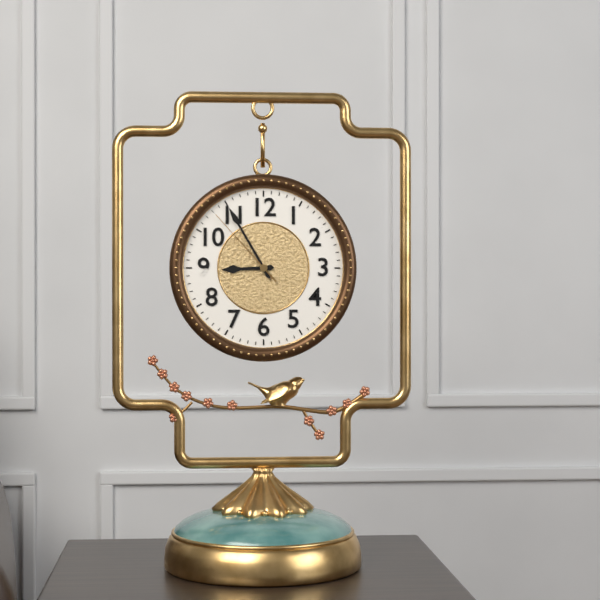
8:55:53
